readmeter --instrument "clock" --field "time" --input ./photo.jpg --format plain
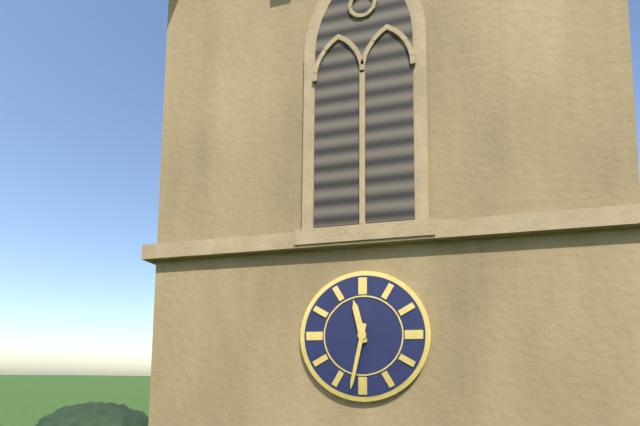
11:32
